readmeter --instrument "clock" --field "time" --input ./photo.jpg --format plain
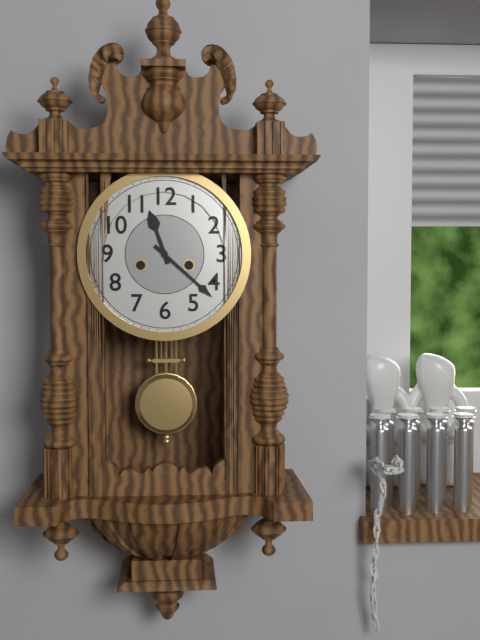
11:22
